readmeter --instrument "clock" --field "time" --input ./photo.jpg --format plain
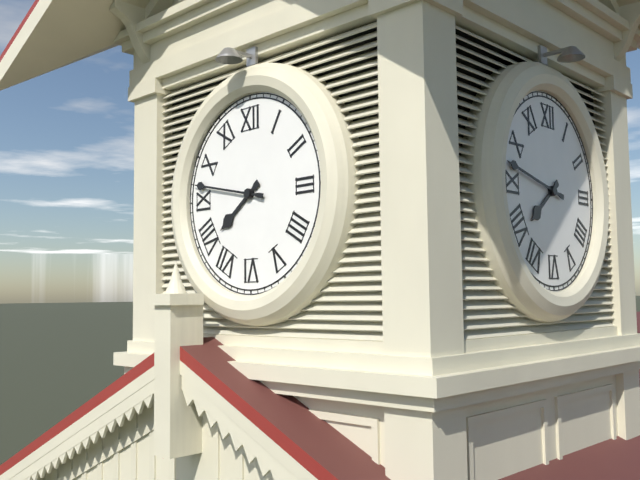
7:47
